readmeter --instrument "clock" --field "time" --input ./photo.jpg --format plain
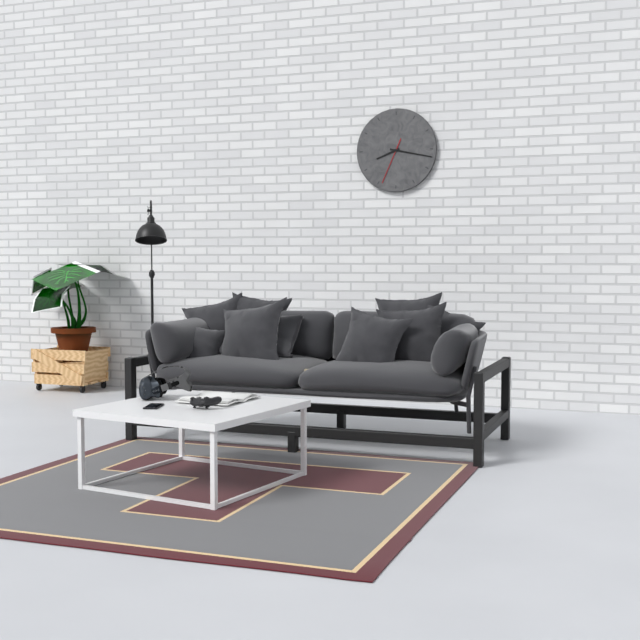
8:17
